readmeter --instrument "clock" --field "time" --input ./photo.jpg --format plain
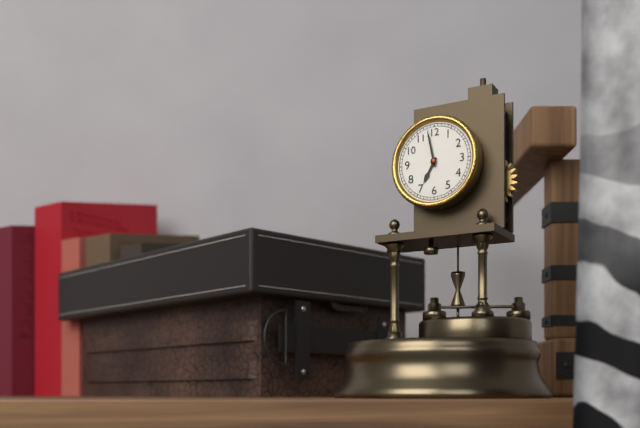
6:58
